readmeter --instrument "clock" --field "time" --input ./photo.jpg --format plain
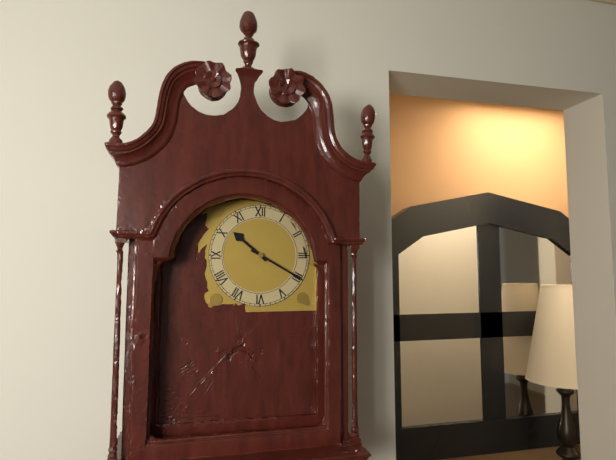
10:20
